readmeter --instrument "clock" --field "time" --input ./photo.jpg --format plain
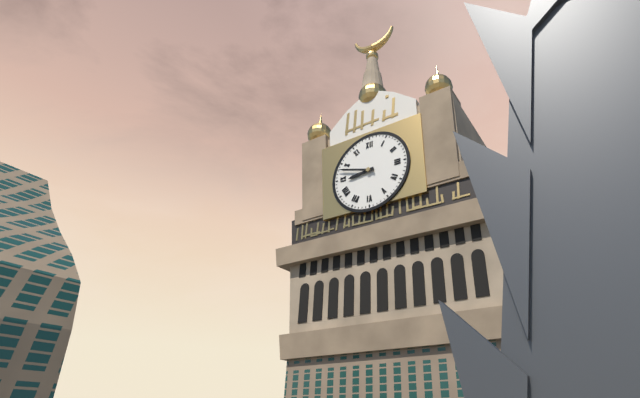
8:48
